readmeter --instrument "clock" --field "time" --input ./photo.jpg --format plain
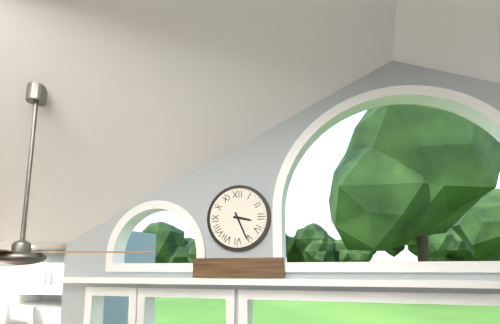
3:26
